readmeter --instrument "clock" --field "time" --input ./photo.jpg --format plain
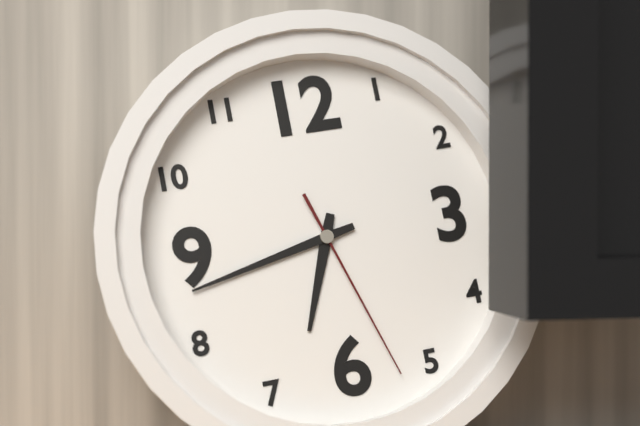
6:43:27
